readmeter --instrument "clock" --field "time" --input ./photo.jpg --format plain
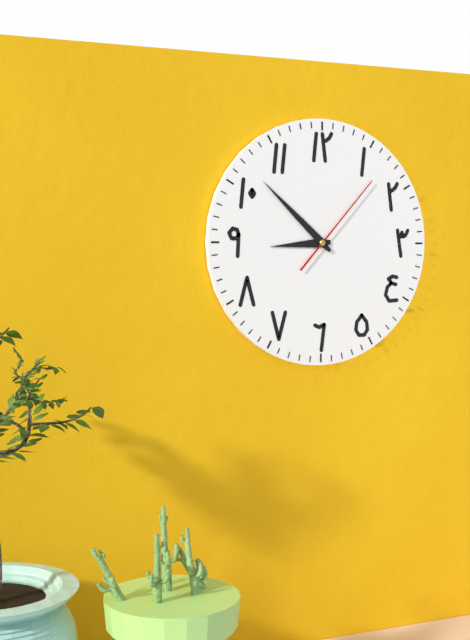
8:52:07
